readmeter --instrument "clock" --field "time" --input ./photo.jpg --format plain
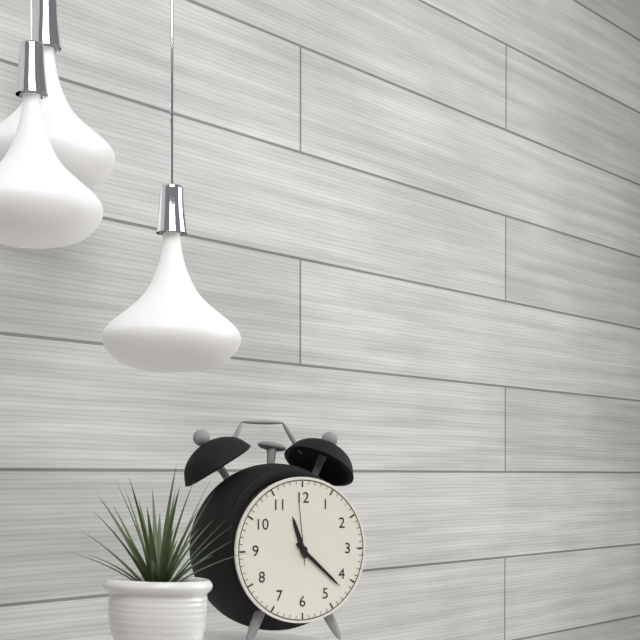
11:22:59
